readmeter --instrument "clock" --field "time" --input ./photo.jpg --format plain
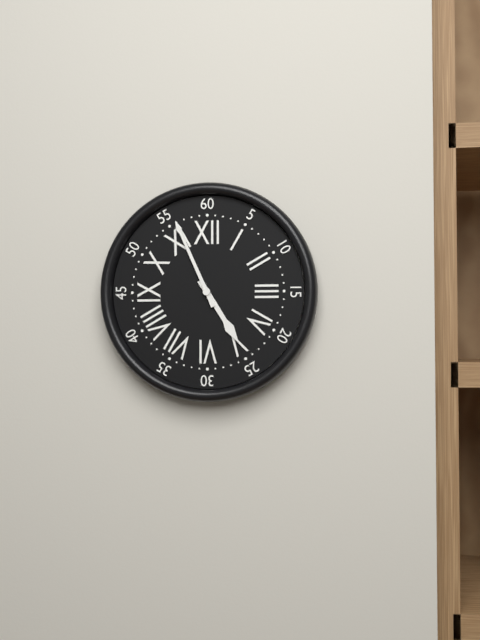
4:56
